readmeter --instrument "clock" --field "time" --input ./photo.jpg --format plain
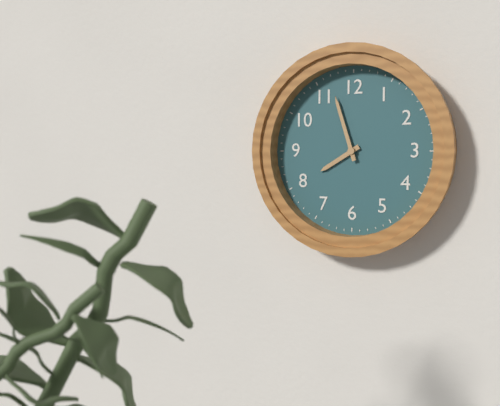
7:57
